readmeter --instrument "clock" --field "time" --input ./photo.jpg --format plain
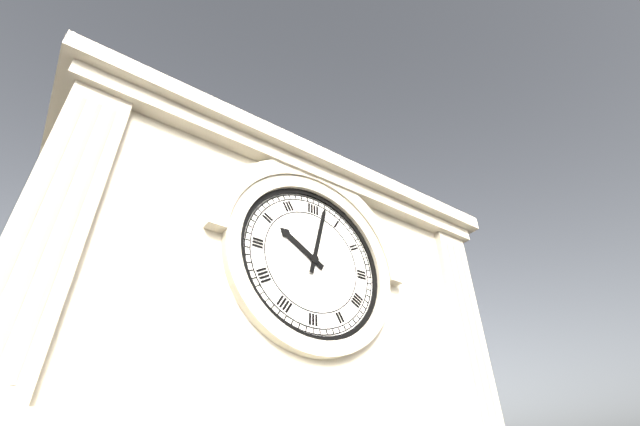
10:02
